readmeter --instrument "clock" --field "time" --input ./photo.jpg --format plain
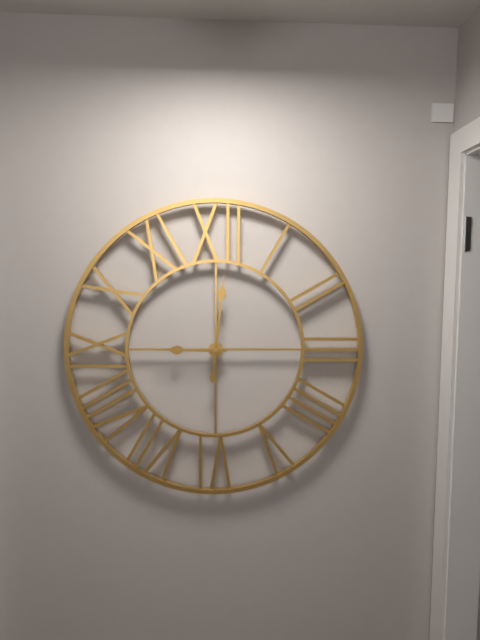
9:01
